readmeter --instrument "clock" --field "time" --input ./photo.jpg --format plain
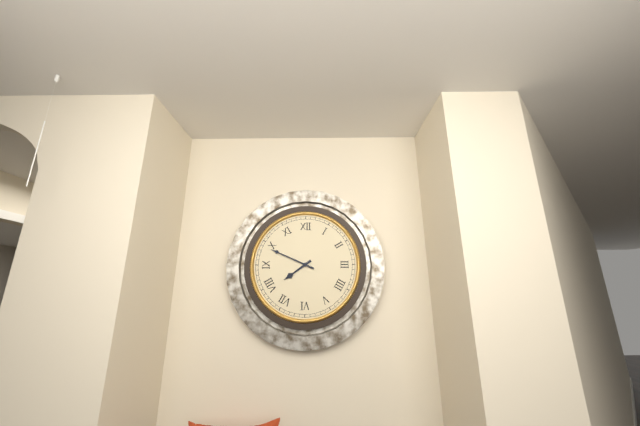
7:49
